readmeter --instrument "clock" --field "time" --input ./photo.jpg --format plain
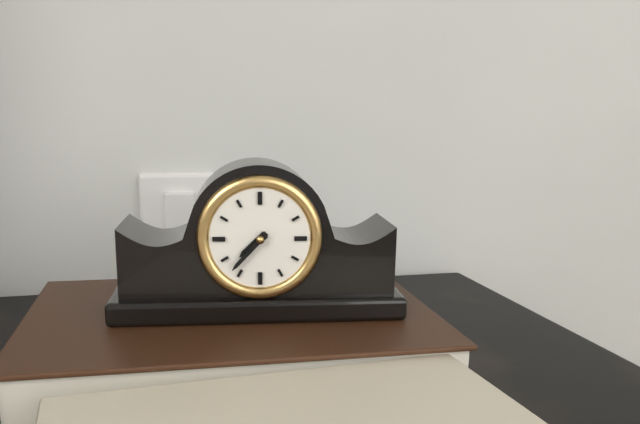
7:37
